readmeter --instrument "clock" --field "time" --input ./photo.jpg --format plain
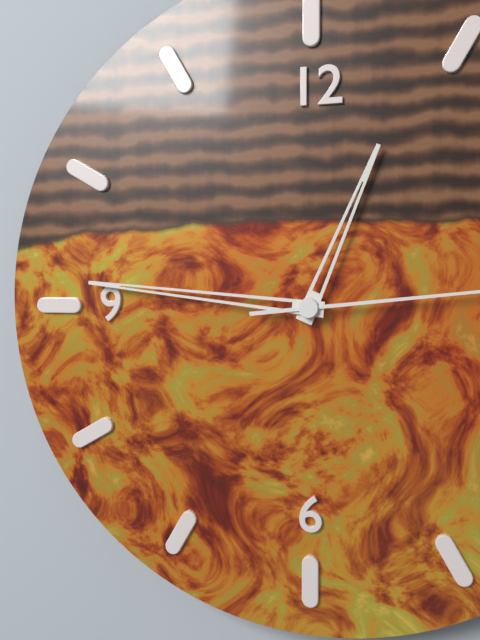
12:46
